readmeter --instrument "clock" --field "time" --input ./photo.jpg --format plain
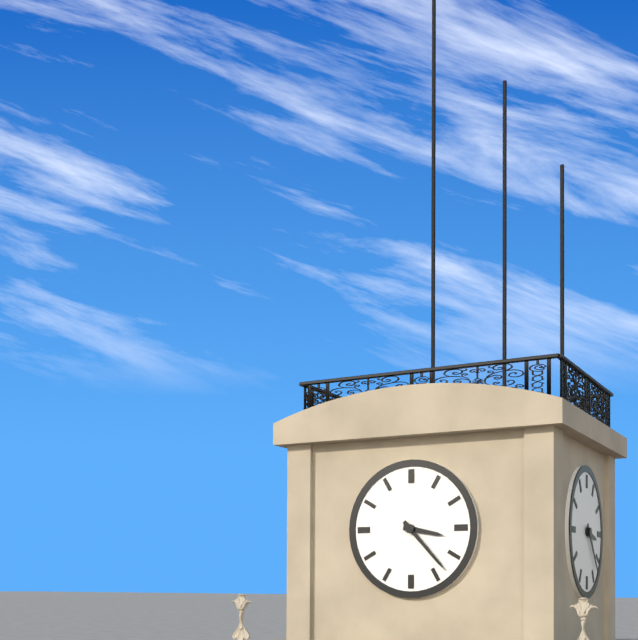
3:23
